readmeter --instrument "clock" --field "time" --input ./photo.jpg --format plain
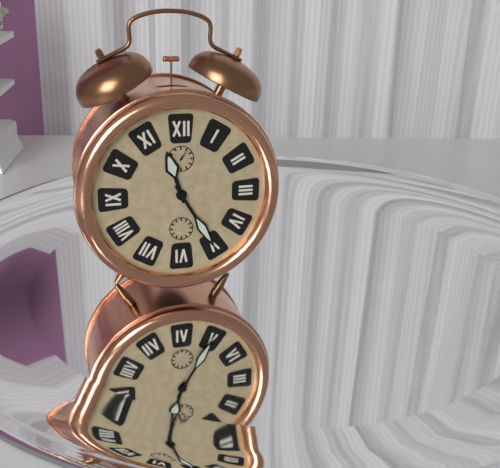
11:25
